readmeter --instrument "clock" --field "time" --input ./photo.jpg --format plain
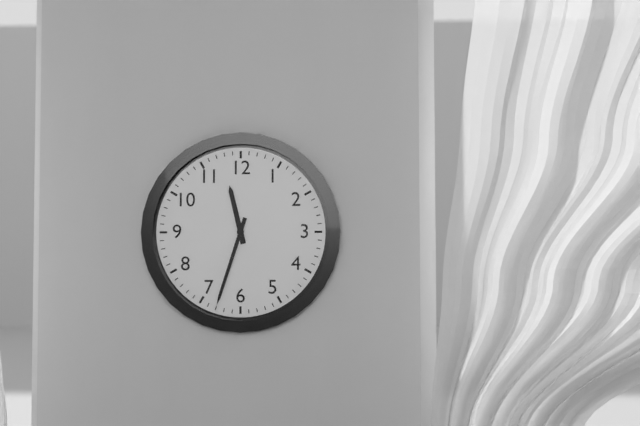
11:33
